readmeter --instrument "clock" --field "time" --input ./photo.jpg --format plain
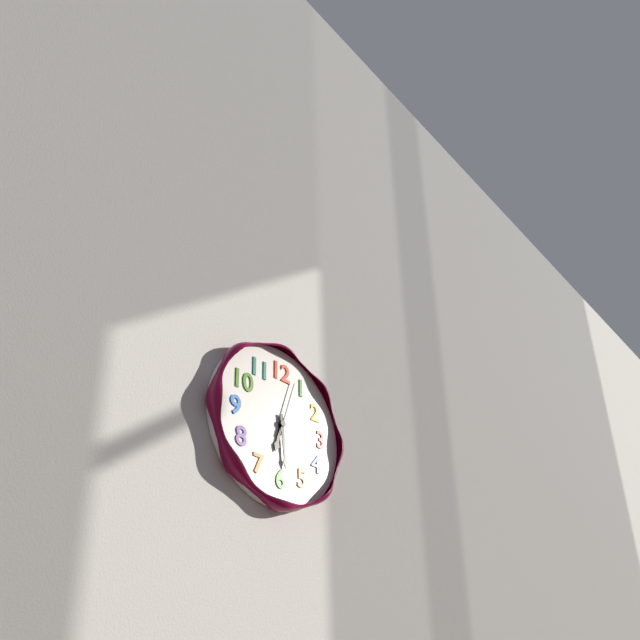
6:29:03
